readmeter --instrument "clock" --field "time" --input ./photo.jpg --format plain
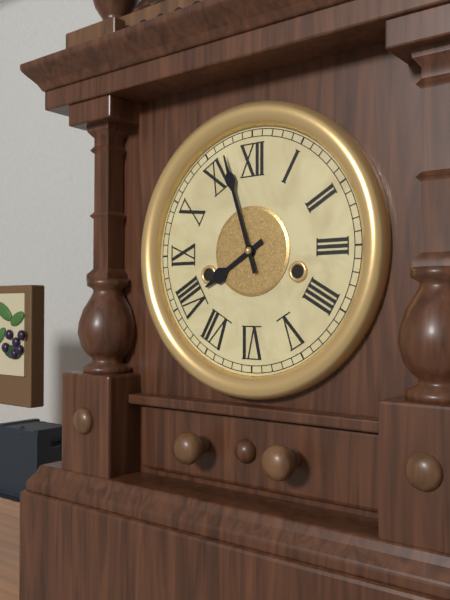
7:57
